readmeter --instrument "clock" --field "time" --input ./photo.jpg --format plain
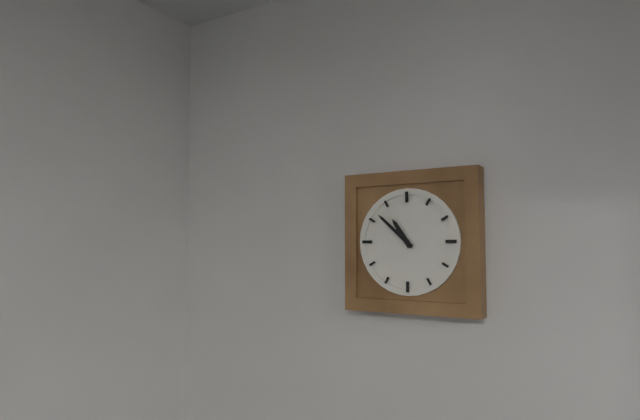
10:52
